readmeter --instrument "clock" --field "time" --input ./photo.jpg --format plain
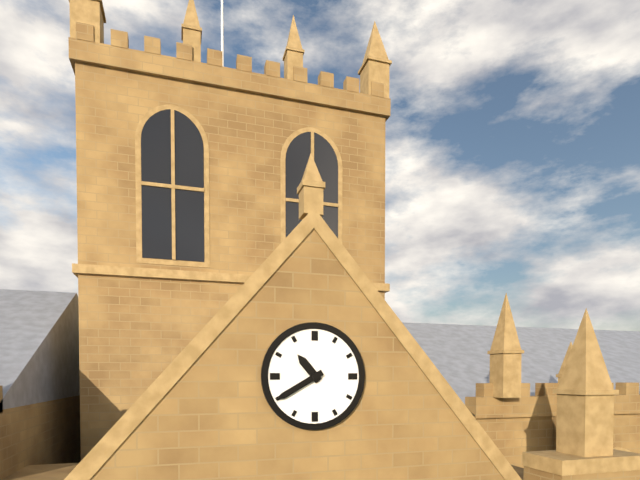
10:40
